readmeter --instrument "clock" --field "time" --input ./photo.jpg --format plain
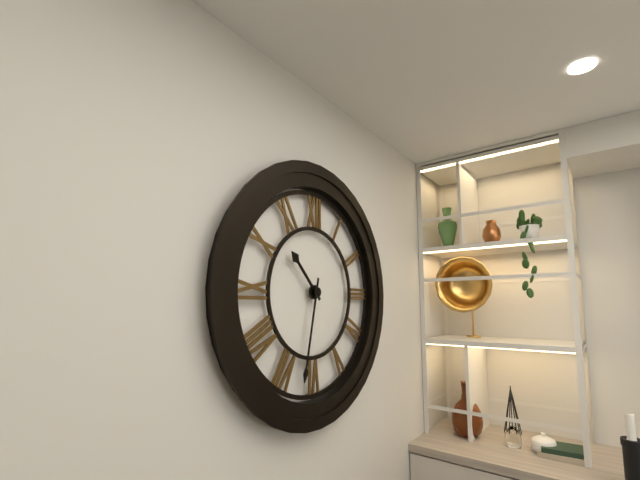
10:32
